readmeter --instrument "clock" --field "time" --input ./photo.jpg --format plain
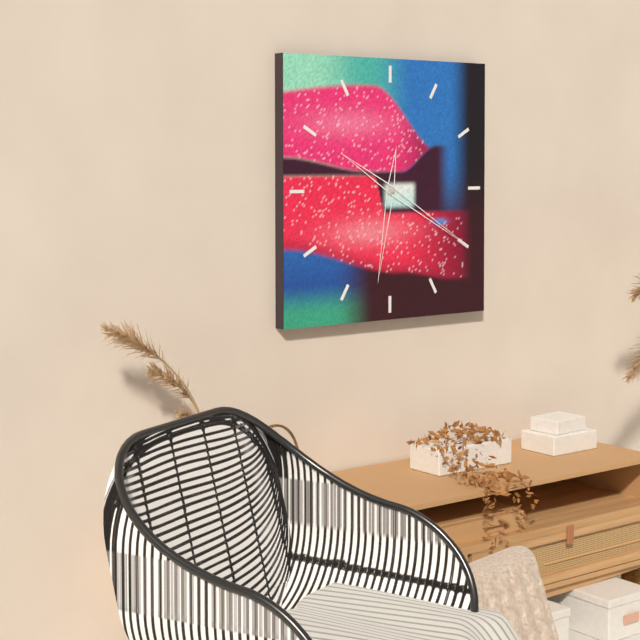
6:20
